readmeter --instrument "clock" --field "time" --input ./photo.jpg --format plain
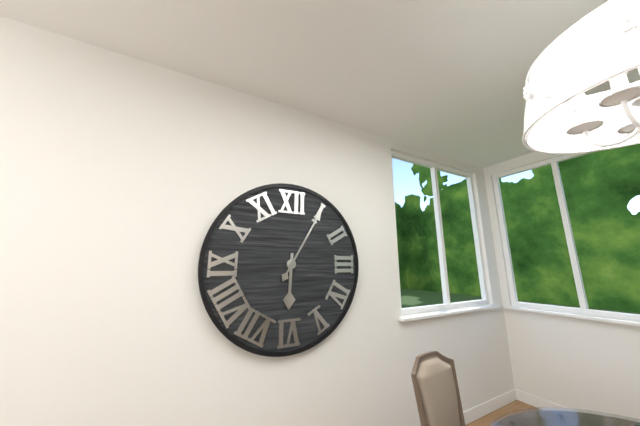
6:05
